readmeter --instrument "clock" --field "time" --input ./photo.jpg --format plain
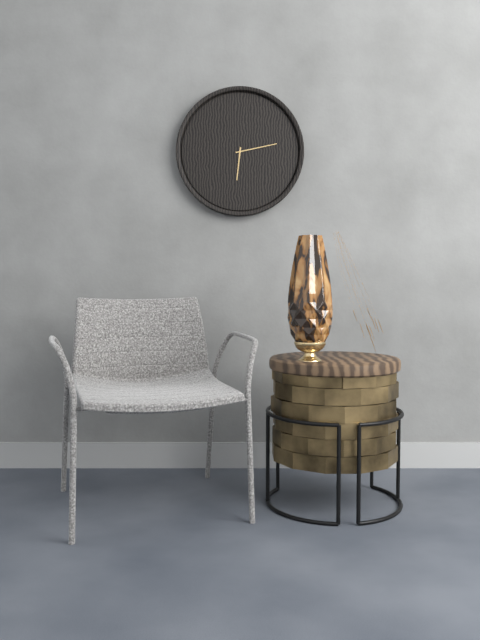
6:13
